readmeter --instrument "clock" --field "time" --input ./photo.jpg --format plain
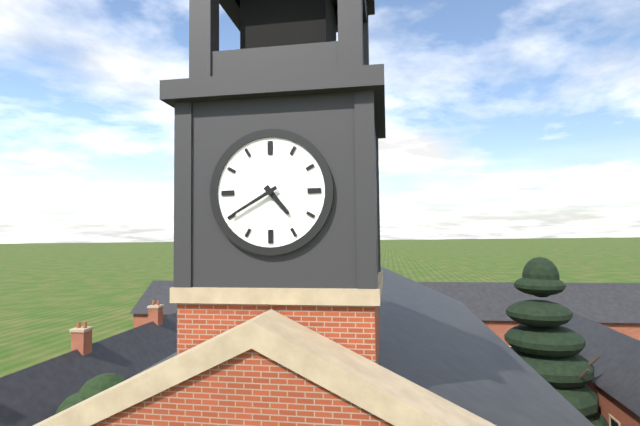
4:40
